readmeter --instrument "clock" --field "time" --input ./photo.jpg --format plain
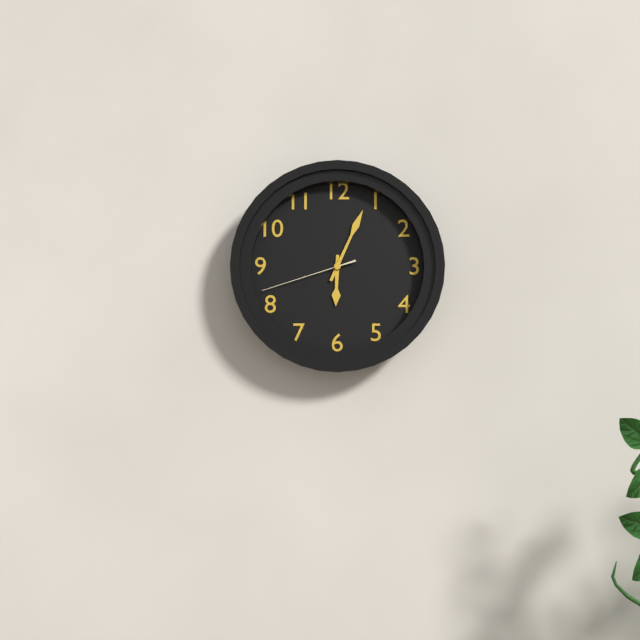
6:04:42
